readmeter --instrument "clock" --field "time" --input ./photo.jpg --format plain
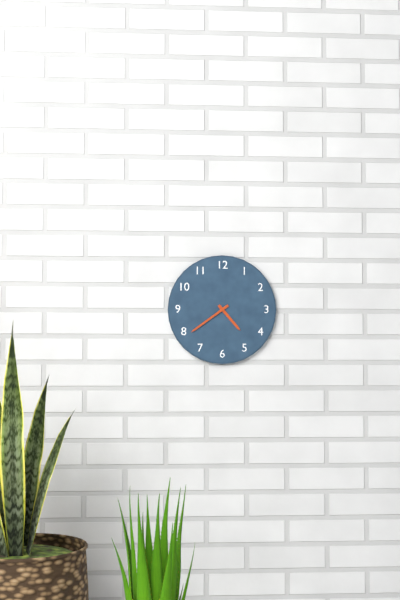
4:39
